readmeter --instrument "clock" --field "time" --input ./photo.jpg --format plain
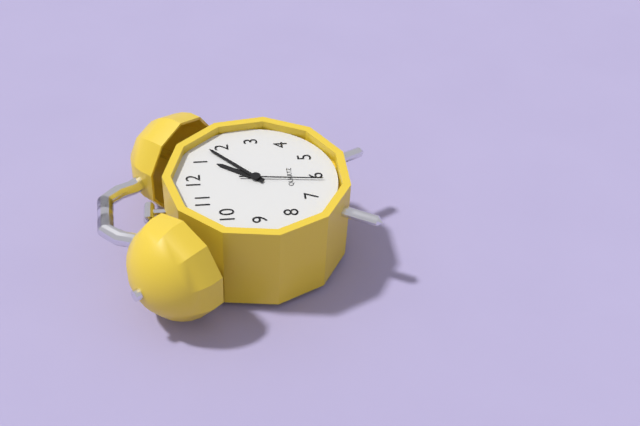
1:08:31
